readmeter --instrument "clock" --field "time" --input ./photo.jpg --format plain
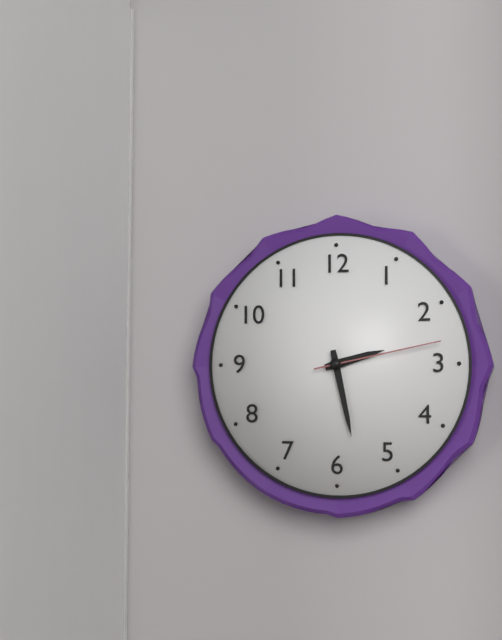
2:28:13
